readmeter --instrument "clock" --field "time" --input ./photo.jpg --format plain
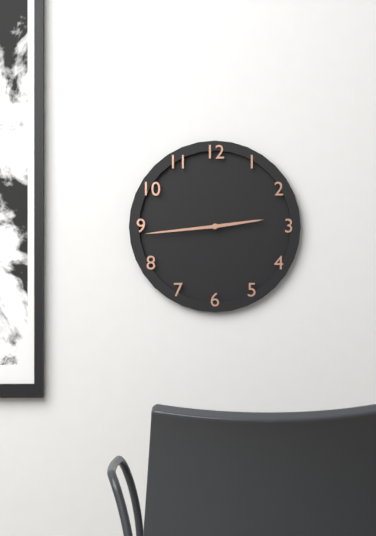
2:44
